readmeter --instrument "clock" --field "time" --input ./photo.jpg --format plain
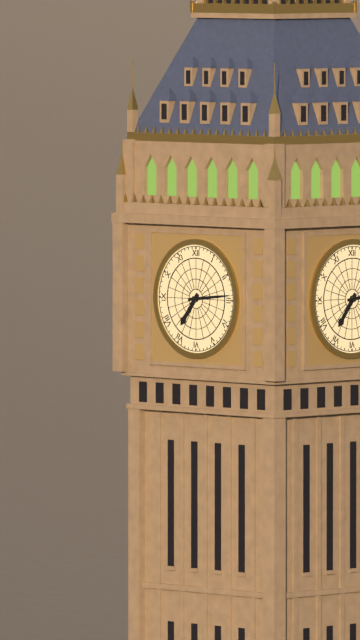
7:14
